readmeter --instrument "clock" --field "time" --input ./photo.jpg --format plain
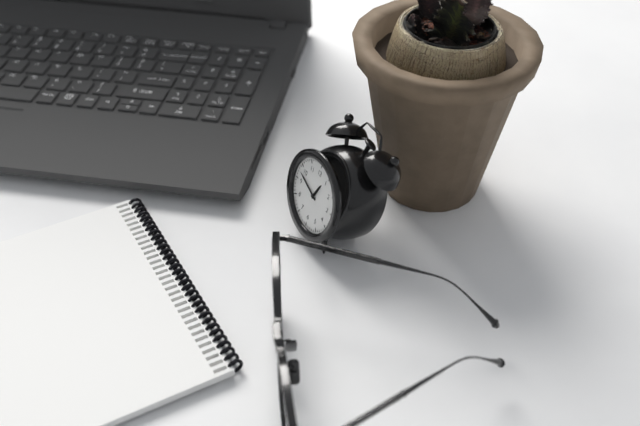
12:48
